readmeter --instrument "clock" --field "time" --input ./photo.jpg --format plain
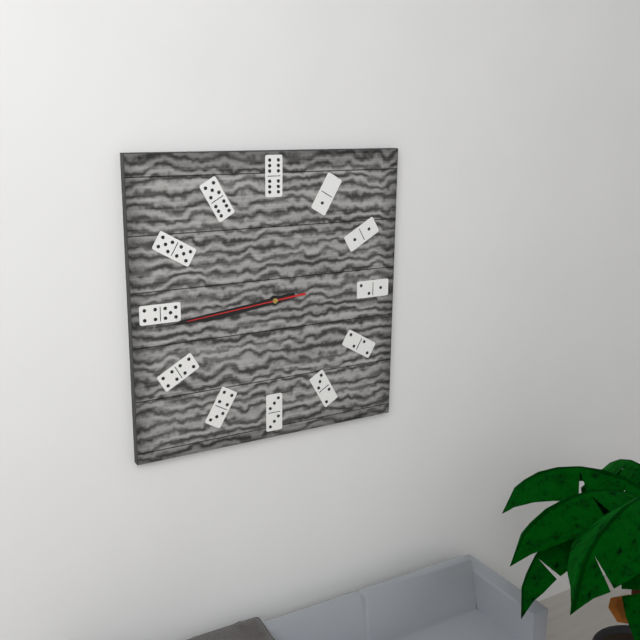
8:44:44
